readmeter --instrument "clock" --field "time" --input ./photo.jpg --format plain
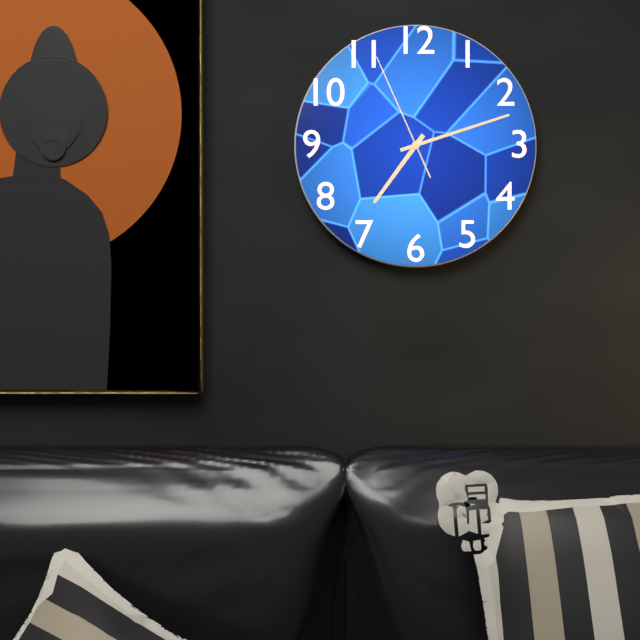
7:12:56
